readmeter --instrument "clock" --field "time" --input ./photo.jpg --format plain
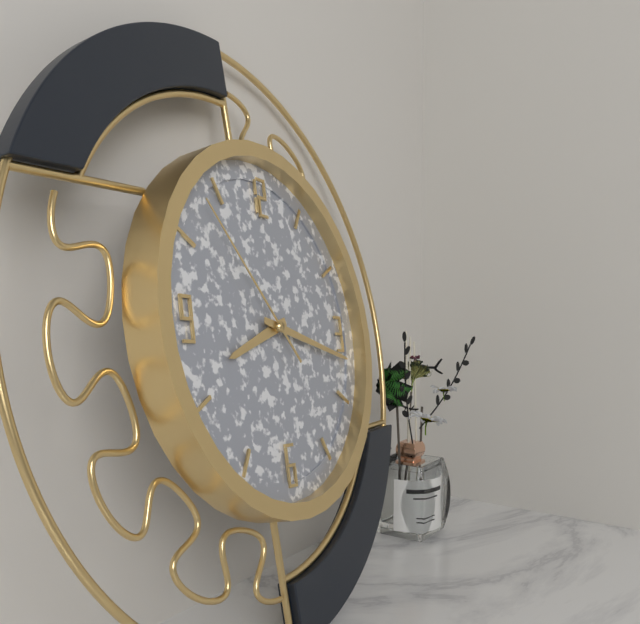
8:17:53
